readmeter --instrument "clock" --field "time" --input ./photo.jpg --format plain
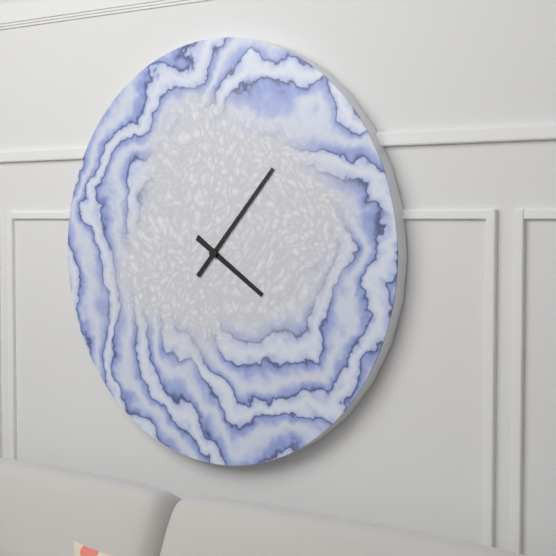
4:07
